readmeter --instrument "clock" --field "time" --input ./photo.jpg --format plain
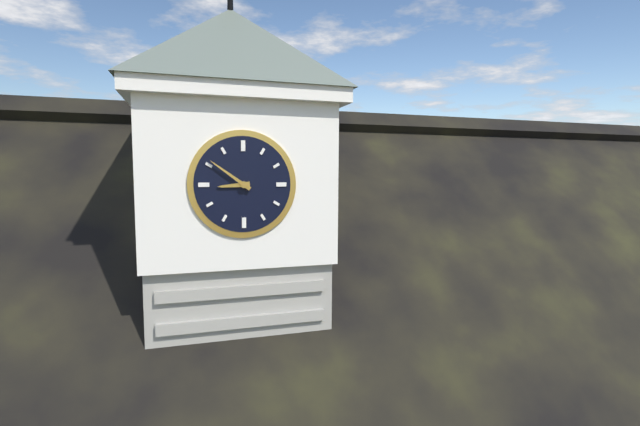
8:51
